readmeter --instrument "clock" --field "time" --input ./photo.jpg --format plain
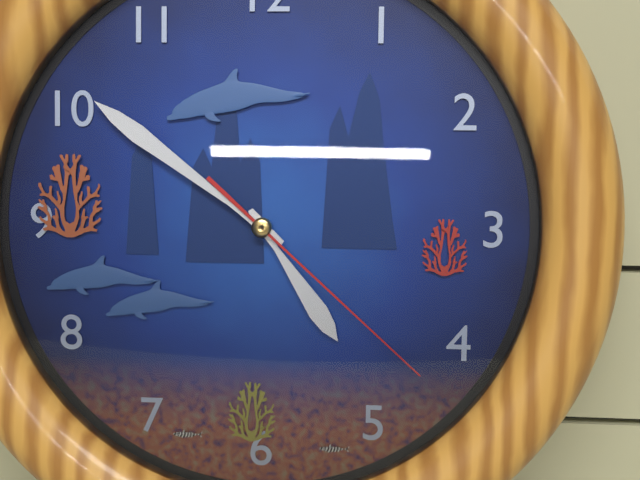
4:51:22
